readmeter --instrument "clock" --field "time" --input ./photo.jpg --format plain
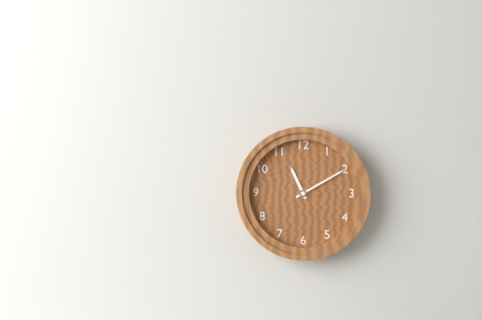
11:10
